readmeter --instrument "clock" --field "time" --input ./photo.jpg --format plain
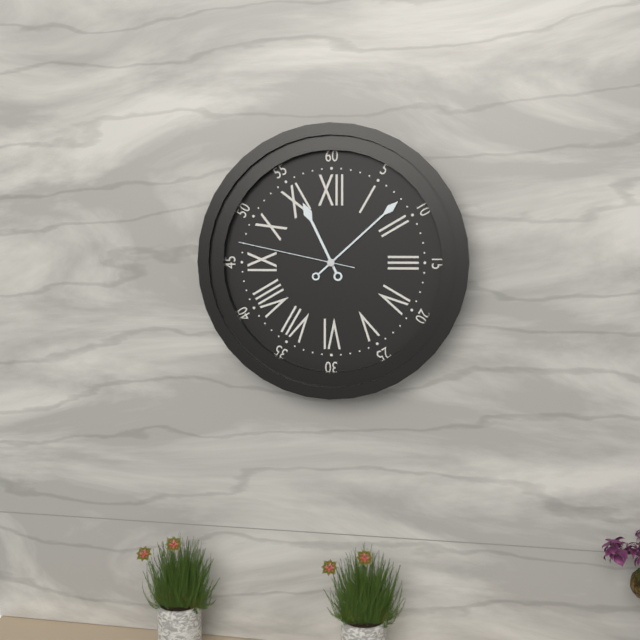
11:08:47
